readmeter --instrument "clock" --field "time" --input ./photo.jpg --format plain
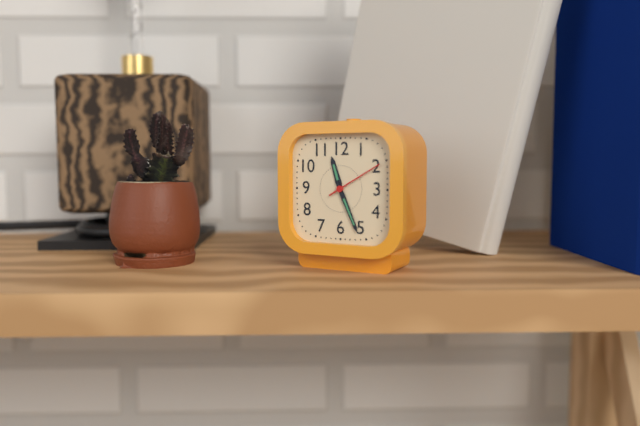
11:26
